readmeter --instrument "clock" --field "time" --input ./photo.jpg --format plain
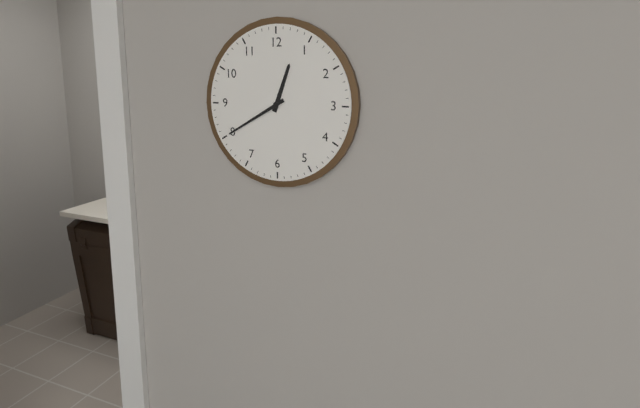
12:40
